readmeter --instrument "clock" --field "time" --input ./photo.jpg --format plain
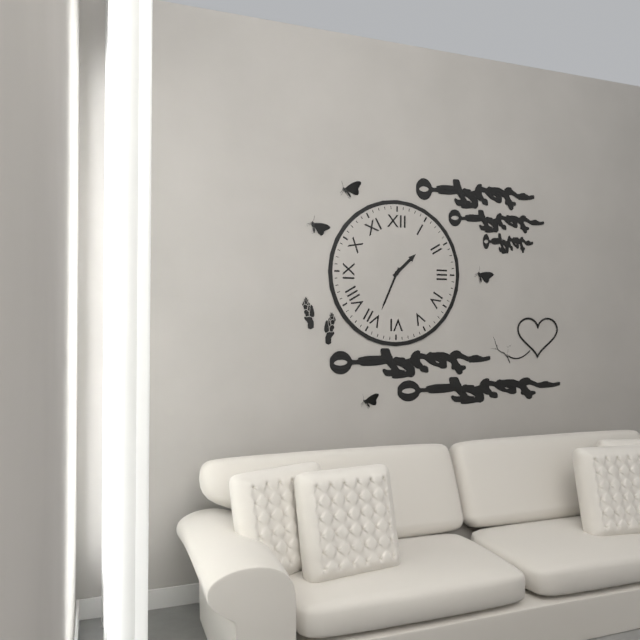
1:34
